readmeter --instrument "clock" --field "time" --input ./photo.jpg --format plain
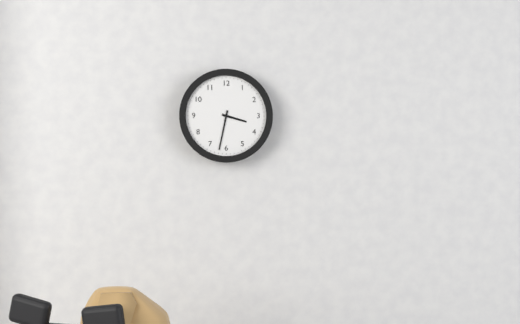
3:32
